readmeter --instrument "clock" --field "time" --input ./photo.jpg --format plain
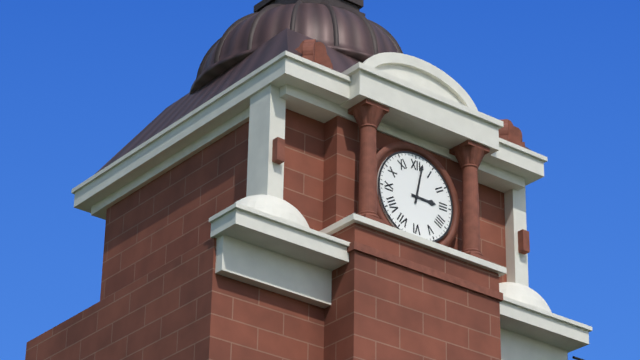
3:02
